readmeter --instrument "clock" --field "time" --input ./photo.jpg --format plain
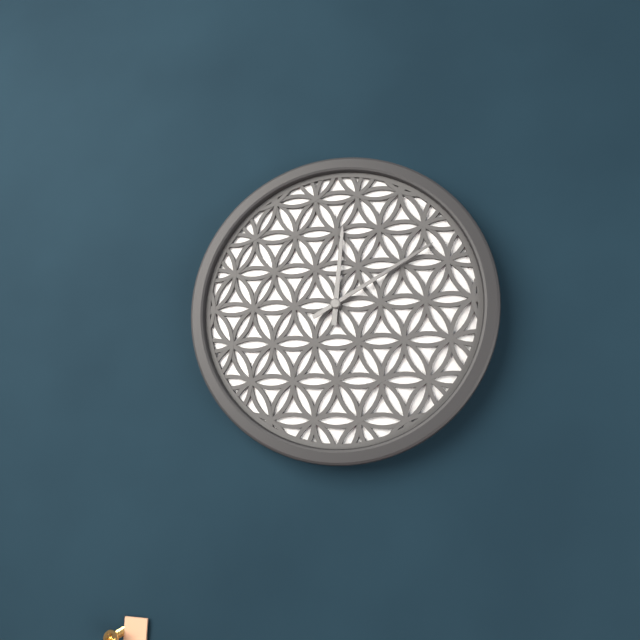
12:10
